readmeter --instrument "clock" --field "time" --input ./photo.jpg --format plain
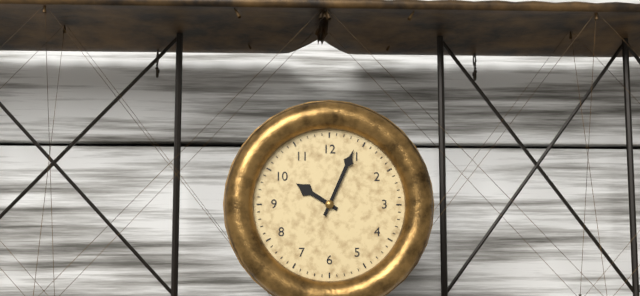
10:04
